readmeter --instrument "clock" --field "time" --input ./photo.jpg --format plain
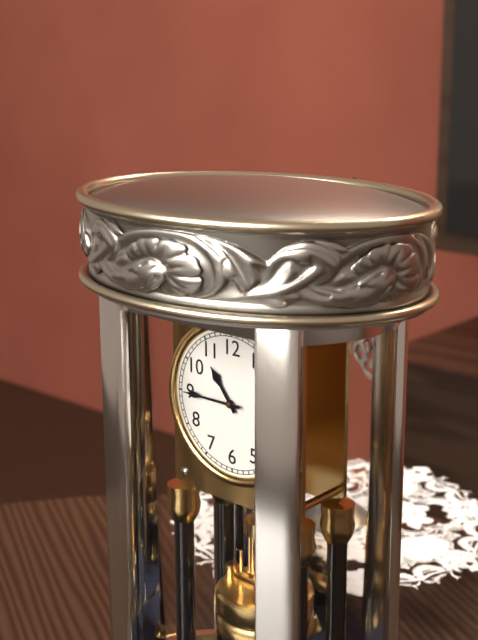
10:45
